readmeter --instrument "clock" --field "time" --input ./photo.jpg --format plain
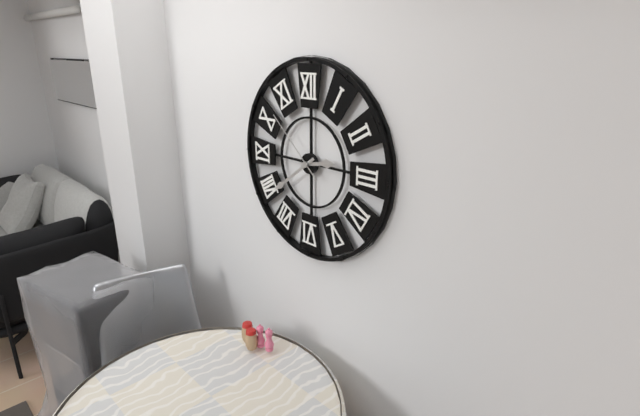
2:39:52
